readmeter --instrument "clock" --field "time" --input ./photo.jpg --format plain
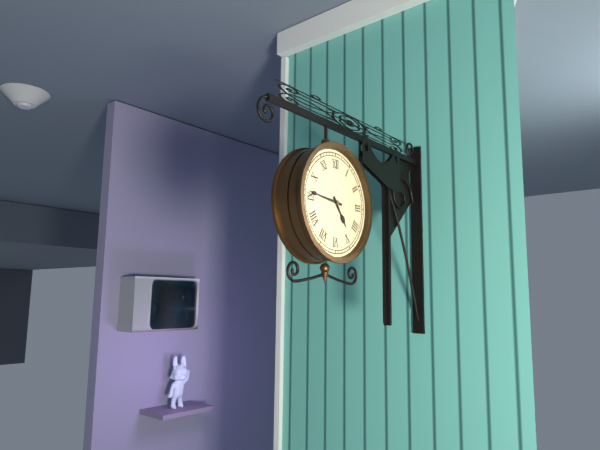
4:46
